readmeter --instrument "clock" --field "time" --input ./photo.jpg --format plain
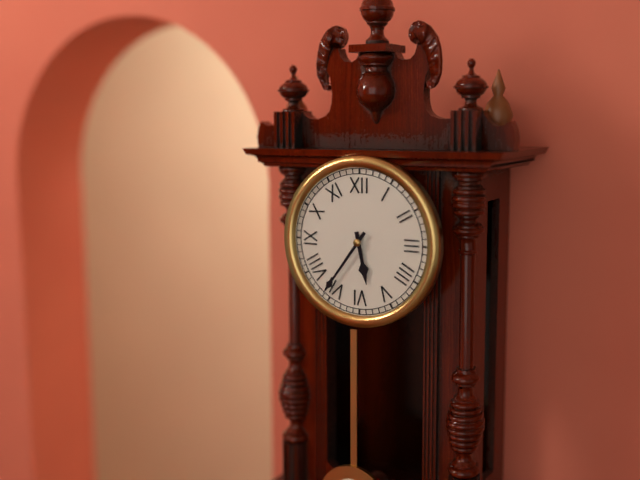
5:36
